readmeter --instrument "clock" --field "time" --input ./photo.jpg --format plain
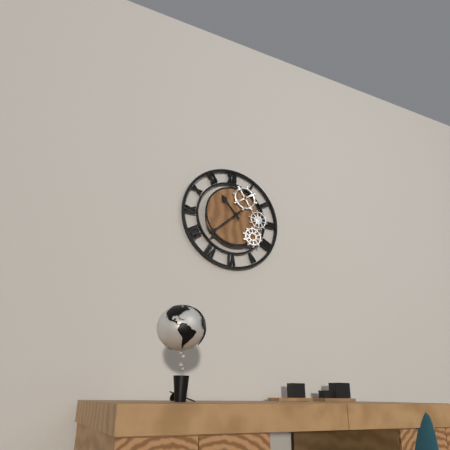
10:38
